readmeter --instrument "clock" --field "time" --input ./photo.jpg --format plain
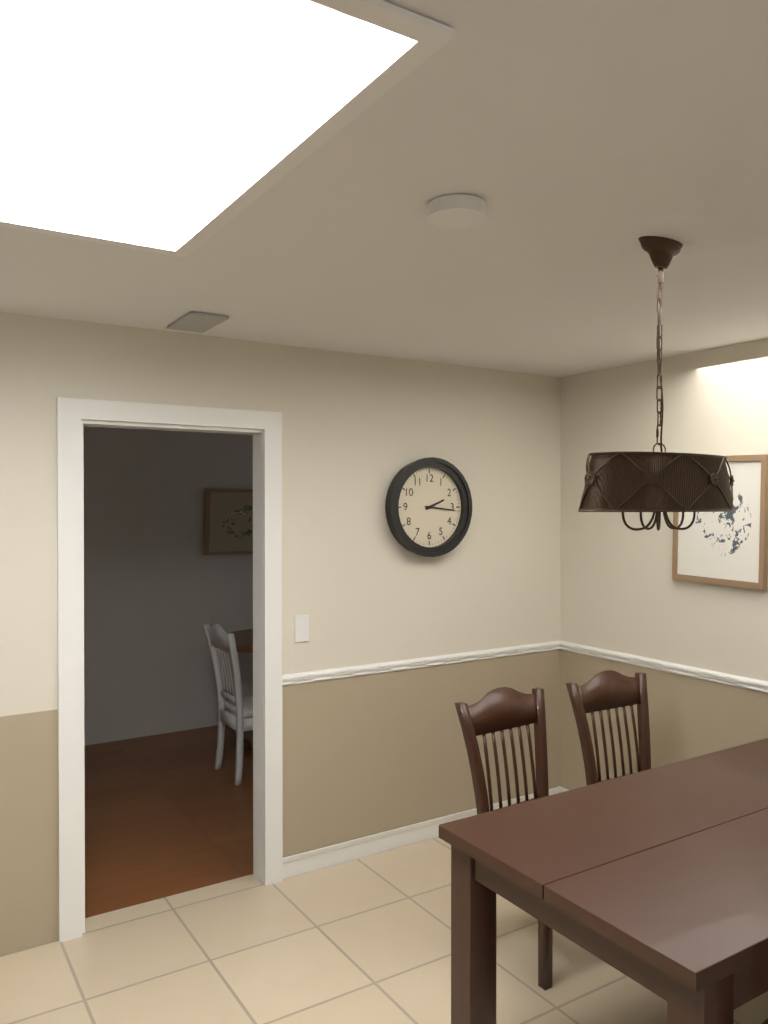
2:16
